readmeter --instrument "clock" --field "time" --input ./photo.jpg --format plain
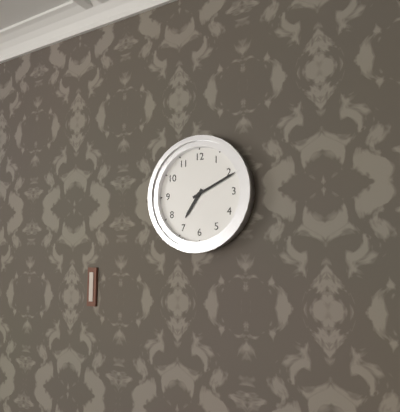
7:11
